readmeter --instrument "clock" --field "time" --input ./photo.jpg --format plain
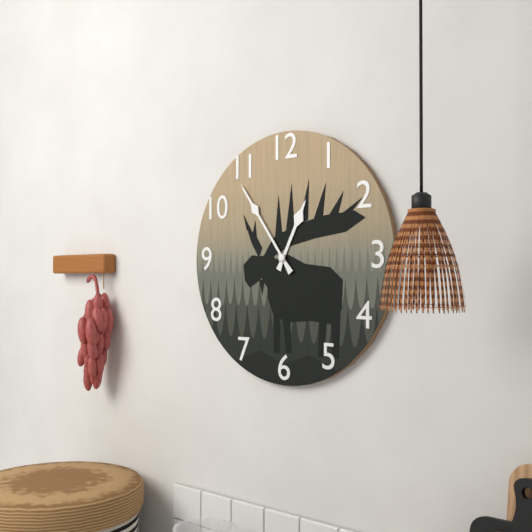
12:54
